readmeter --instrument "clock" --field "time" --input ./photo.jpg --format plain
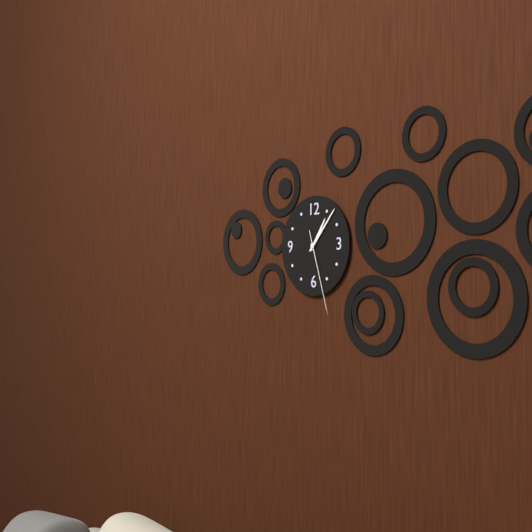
1:07:27
